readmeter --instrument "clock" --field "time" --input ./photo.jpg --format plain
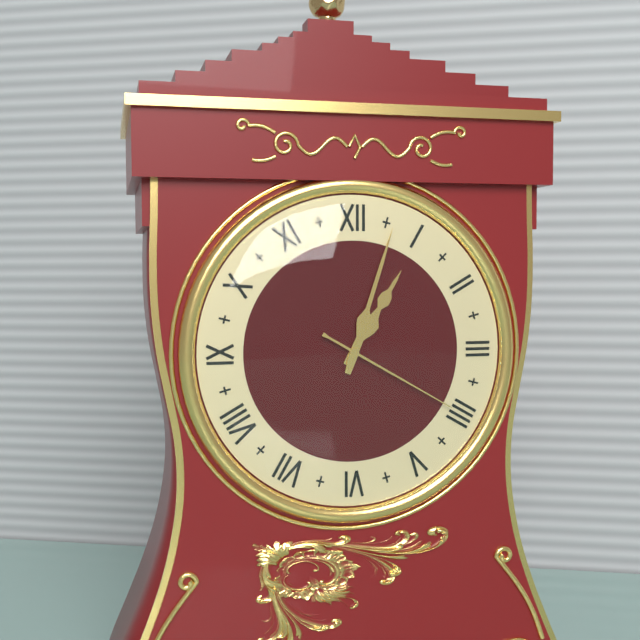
1:03:20
